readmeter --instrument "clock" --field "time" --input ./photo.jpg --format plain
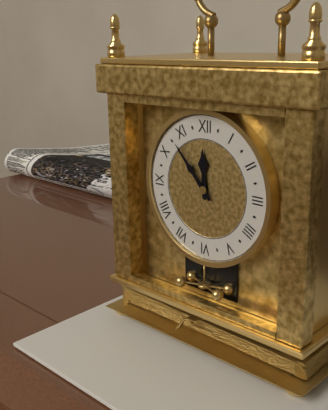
11:53
